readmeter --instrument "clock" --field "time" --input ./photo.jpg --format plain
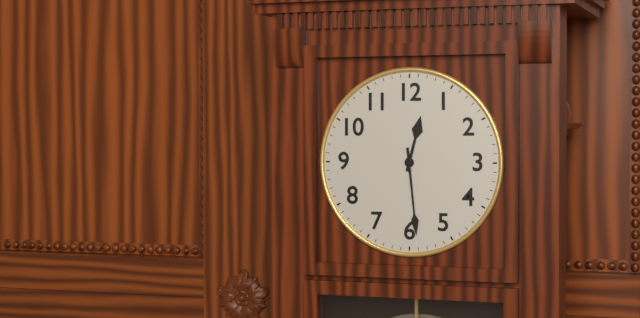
12:29
